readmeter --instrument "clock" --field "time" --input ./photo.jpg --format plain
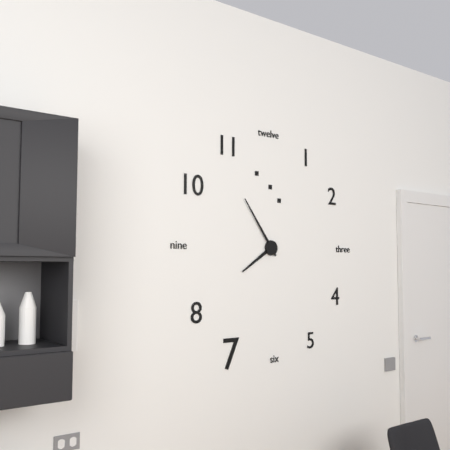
7:54
